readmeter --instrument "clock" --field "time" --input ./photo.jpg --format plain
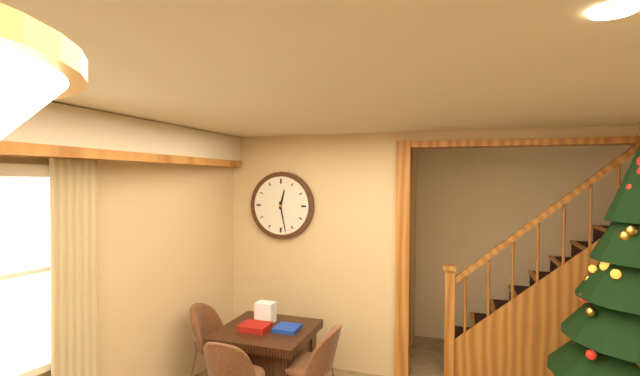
12:28
